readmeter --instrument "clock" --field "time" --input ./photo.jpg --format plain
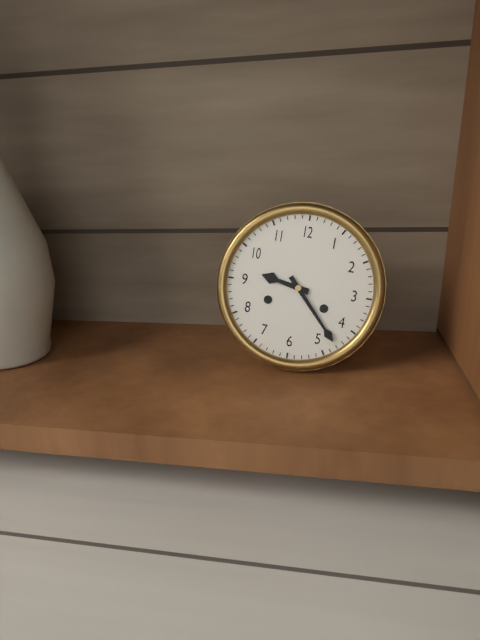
9:23
